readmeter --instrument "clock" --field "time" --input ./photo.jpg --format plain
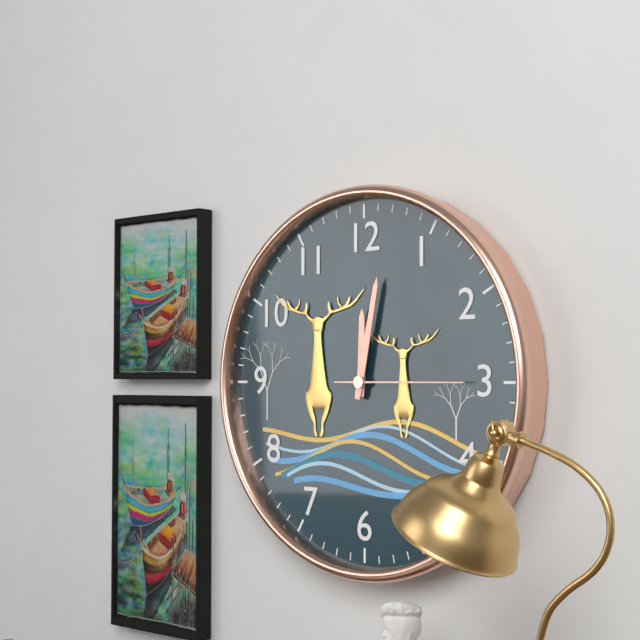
12:02:15
